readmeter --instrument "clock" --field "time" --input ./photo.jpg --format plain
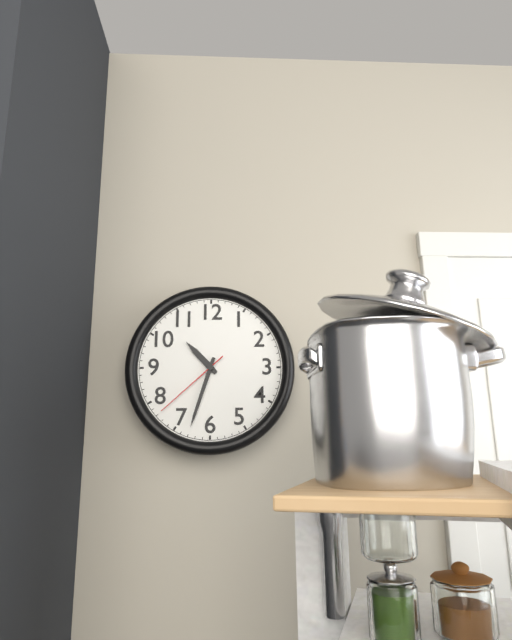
10:33:38
